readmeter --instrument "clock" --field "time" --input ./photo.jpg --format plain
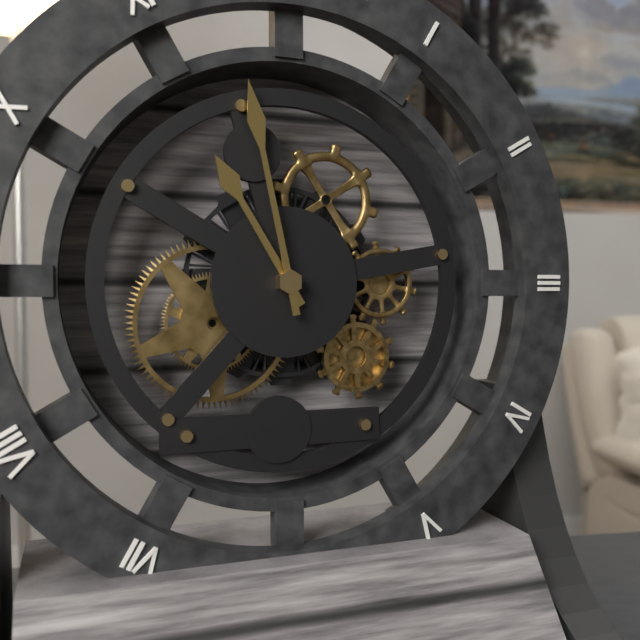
10:58
